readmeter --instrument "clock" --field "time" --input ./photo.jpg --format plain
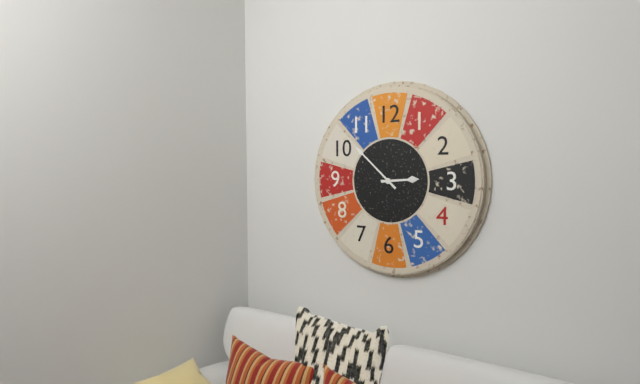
2:52
